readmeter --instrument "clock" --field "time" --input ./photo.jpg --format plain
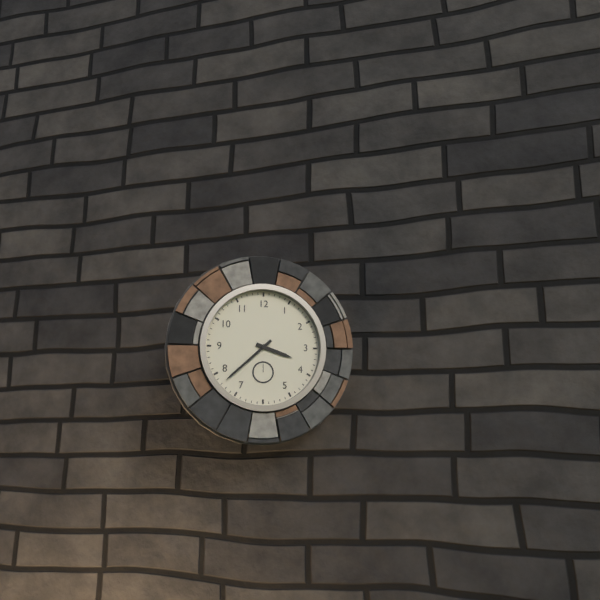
3:38
